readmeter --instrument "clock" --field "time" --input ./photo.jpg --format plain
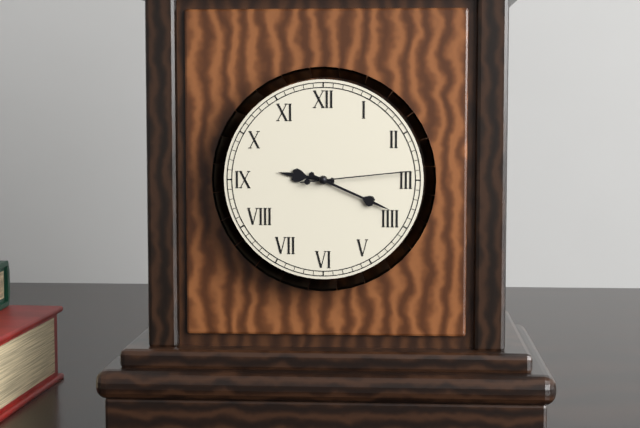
9:19:14
